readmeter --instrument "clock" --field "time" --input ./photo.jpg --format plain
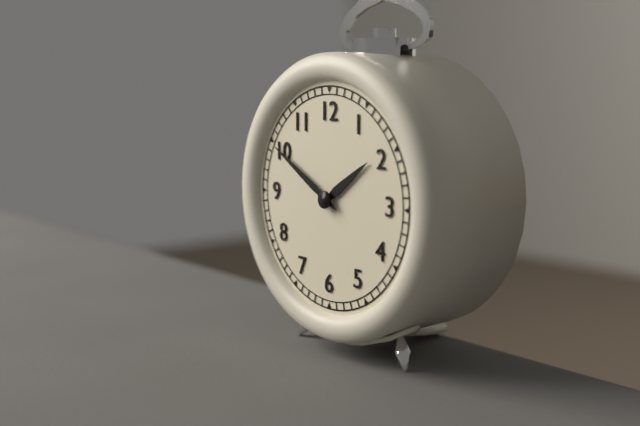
1:50
